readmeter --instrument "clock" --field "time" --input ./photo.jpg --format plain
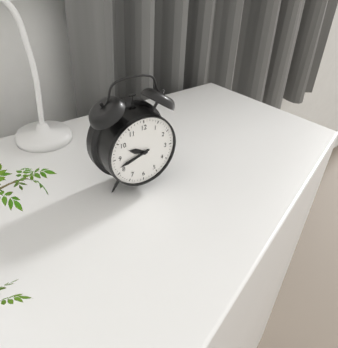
9:42
